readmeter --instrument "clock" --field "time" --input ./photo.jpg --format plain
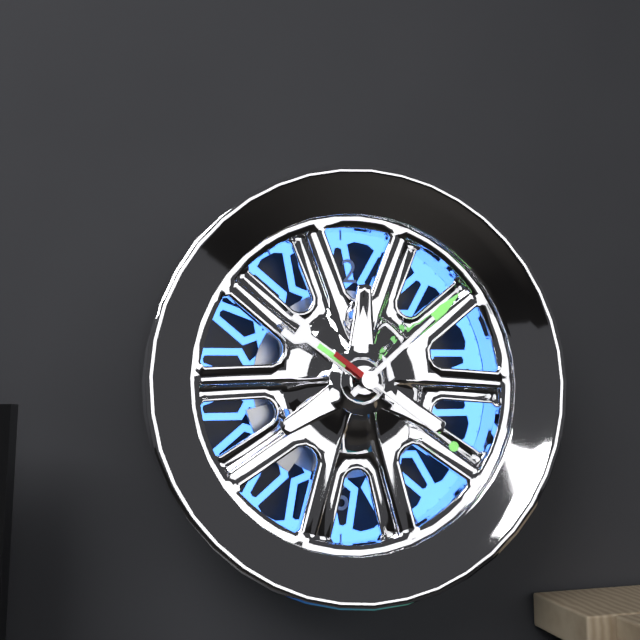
10:08:21
